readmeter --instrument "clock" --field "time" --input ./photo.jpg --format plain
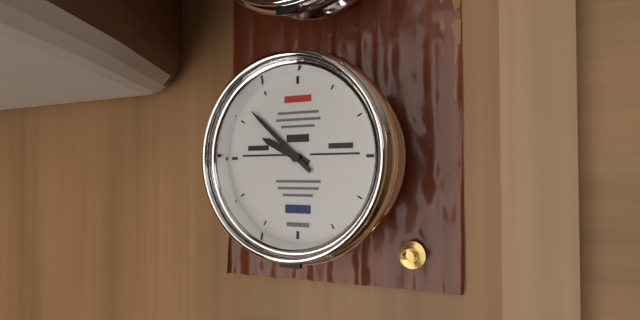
9:52
